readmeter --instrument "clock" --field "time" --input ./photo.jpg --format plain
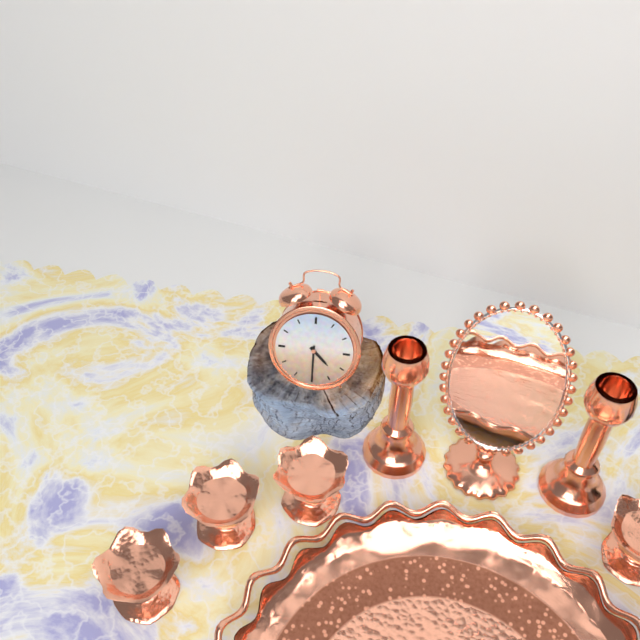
4:30
